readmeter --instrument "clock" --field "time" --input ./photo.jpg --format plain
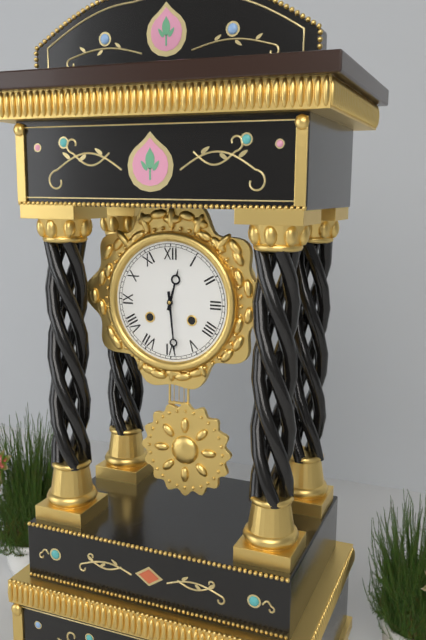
12:29
